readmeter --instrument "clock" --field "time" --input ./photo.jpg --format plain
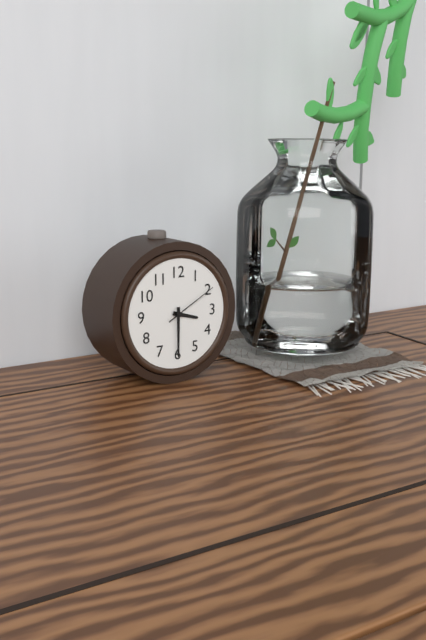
3:30:10
